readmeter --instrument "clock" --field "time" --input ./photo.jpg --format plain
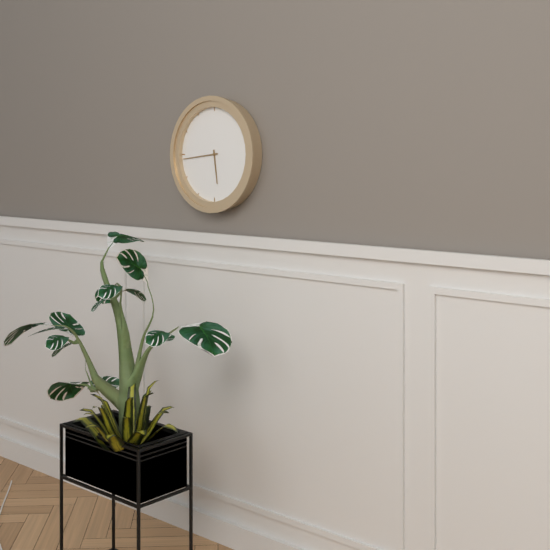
5:44
